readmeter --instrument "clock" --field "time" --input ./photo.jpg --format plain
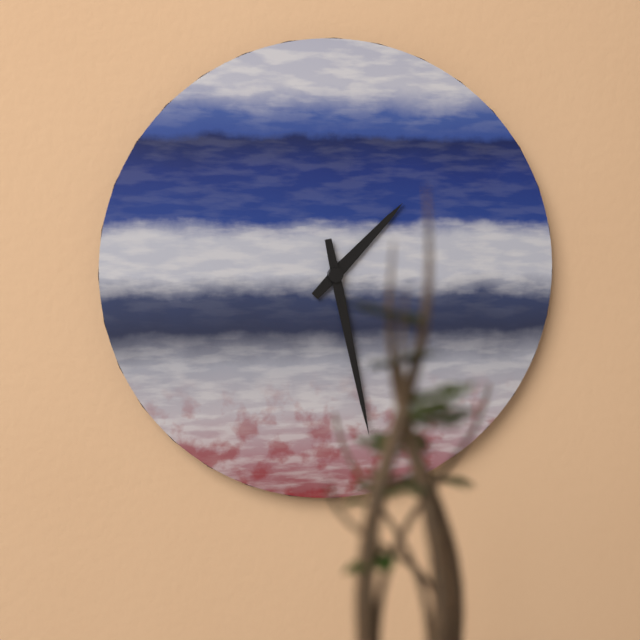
1:28
